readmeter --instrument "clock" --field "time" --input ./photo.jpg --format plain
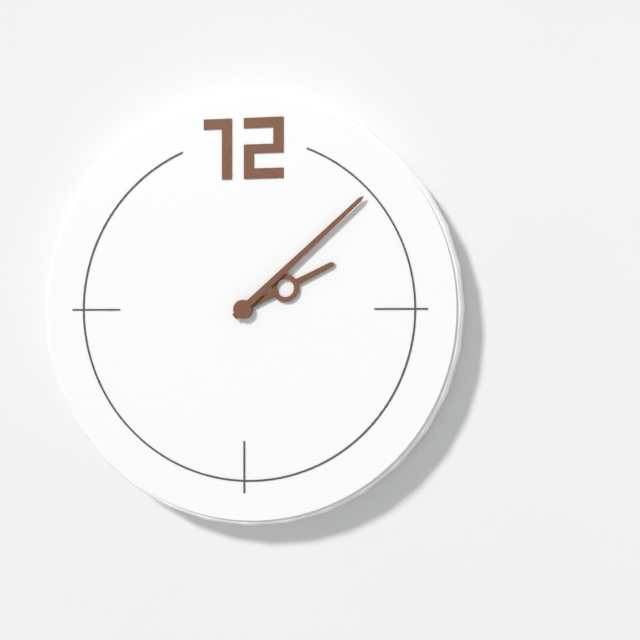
2:08
